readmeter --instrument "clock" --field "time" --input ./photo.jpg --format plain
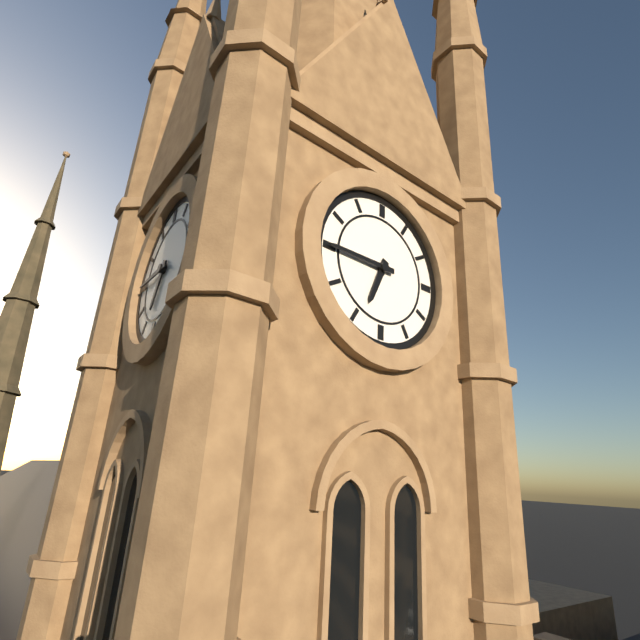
6:45
